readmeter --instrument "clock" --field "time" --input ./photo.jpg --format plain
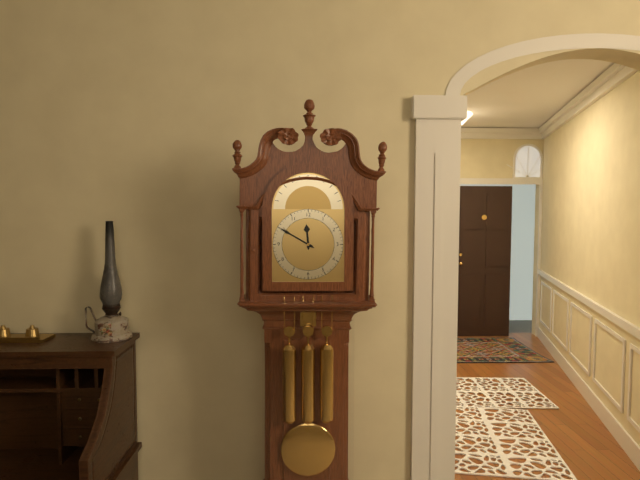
11:50
